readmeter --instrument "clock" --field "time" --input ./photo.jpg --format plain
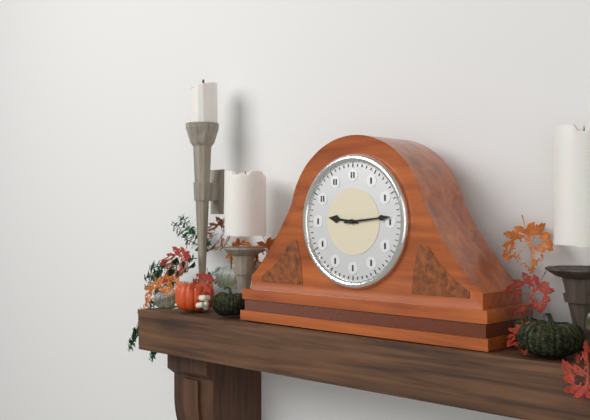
9:14
